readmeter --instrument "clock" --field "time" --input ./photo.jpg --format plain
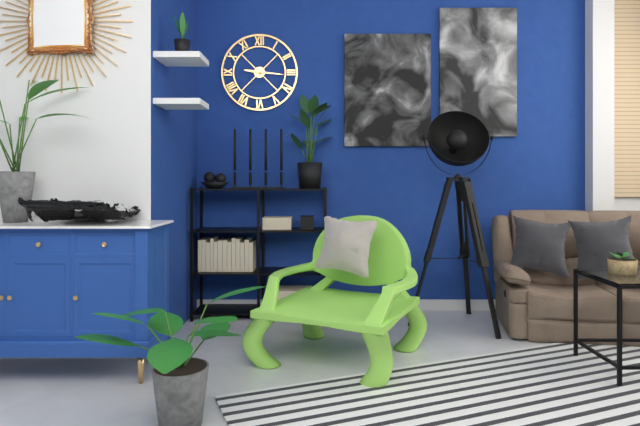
9:16
